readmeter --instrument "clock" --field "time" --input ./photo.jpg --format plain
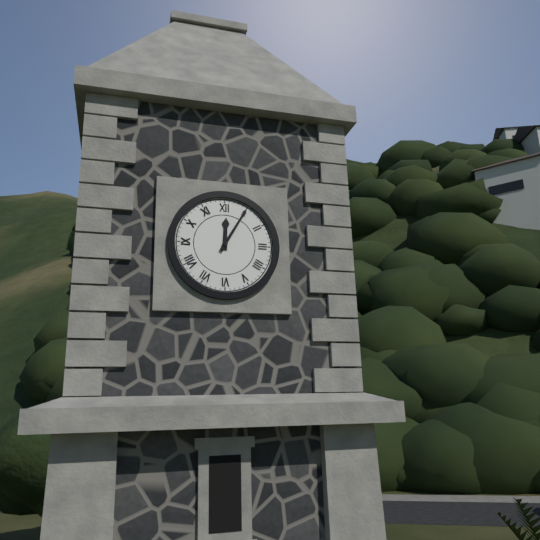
12:05
